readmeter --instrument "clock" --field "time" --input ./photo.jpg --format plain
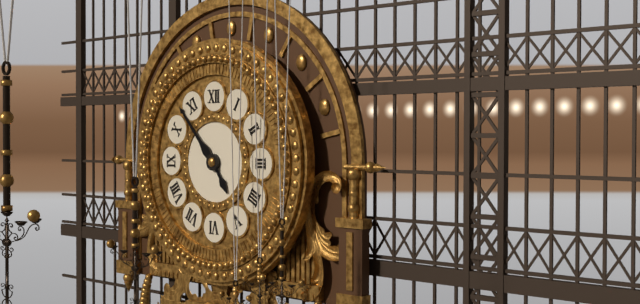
4:53
